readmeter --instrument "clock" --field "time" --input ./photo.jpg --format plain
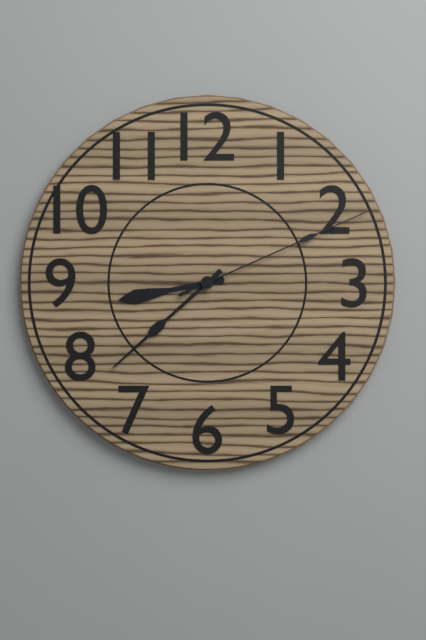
8:38:11
